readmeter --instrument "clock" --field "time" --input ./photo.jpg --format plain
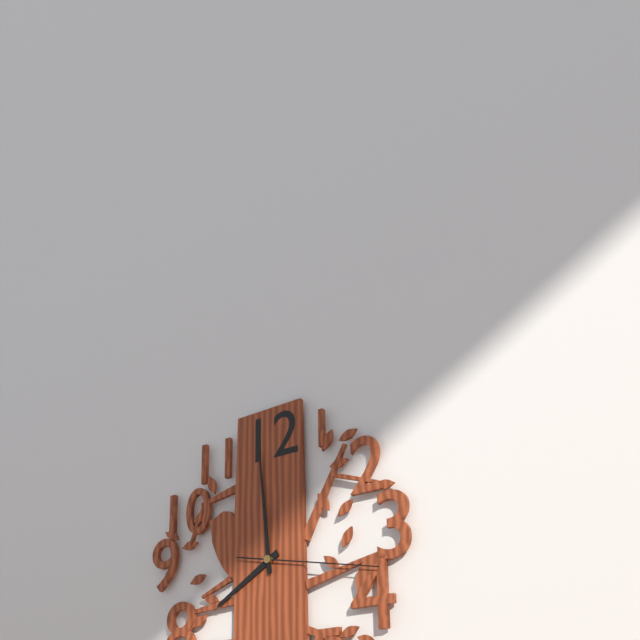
7:59:17
